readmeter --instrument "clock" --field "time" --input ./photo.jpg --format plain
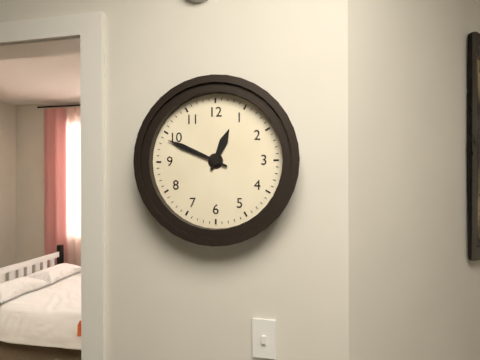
12:49
